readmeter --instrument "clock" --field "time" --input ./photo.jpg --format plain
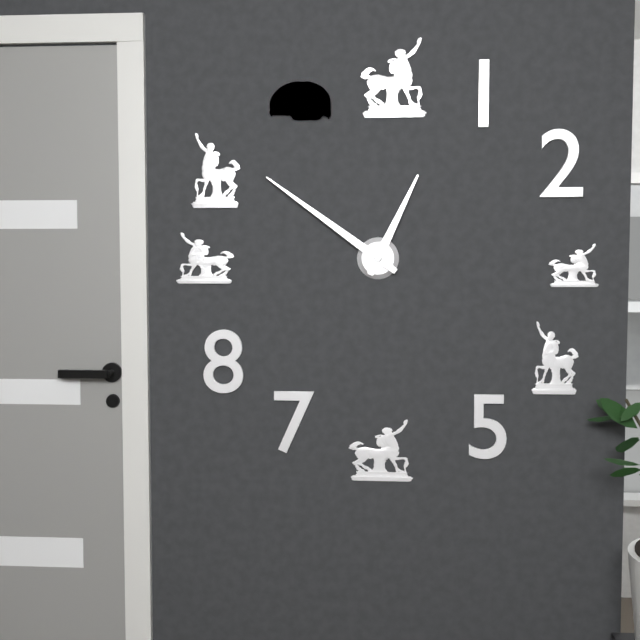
12:51
